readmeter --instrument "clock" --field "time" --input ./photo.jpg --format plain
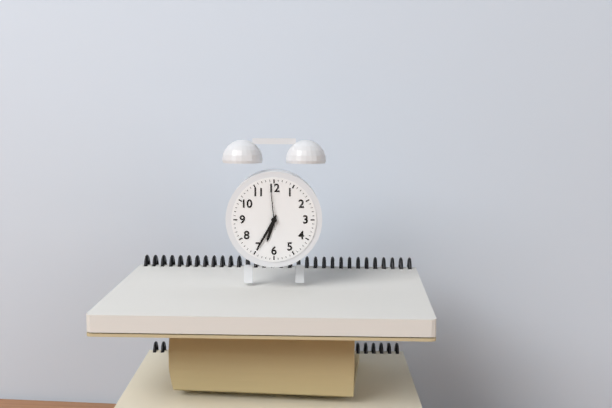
6:35
